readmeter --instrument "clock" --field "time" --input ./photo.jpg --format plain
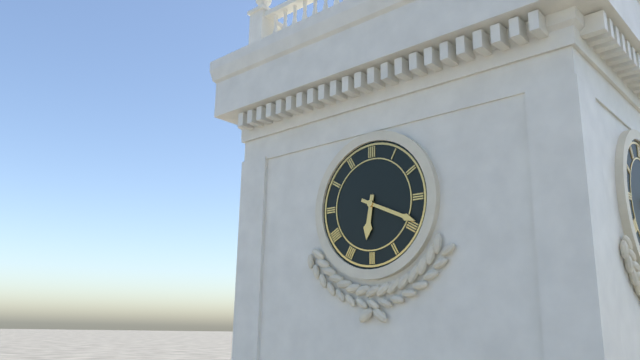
6:19
